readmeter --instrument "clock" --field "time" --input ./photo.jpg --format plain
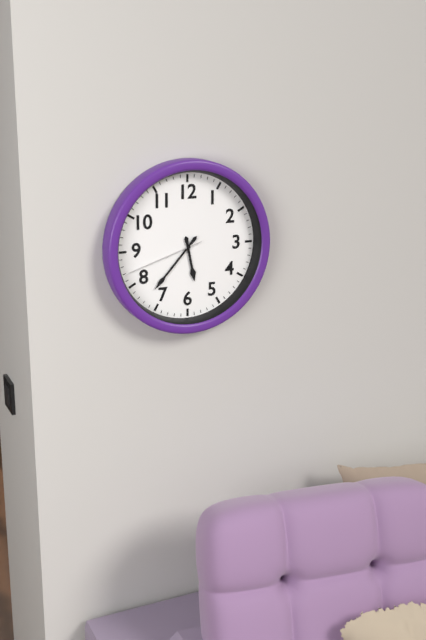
5:37:42
